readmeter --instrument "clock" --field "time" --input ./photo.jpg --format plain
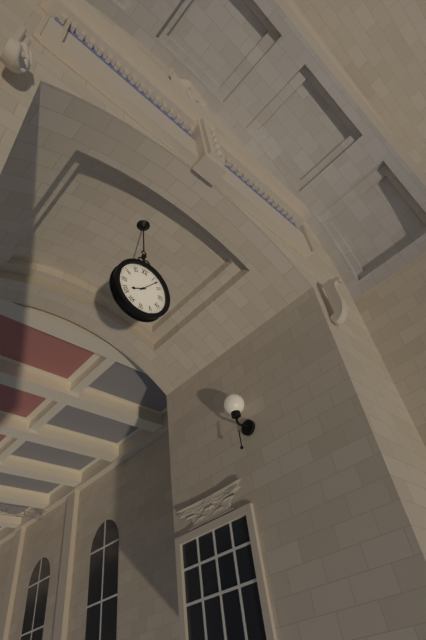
8:07
